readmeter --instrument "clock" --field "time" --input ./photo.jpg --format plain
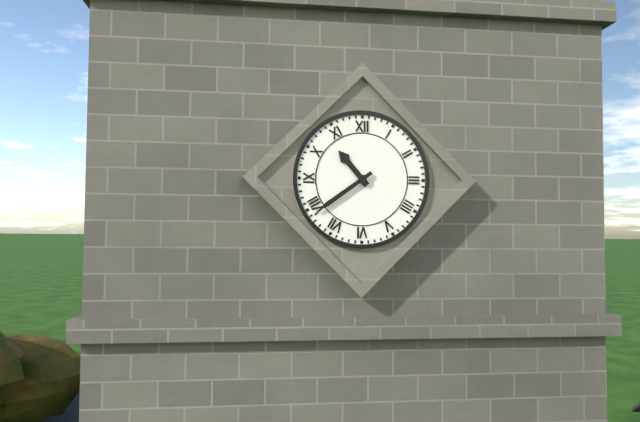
10:39
